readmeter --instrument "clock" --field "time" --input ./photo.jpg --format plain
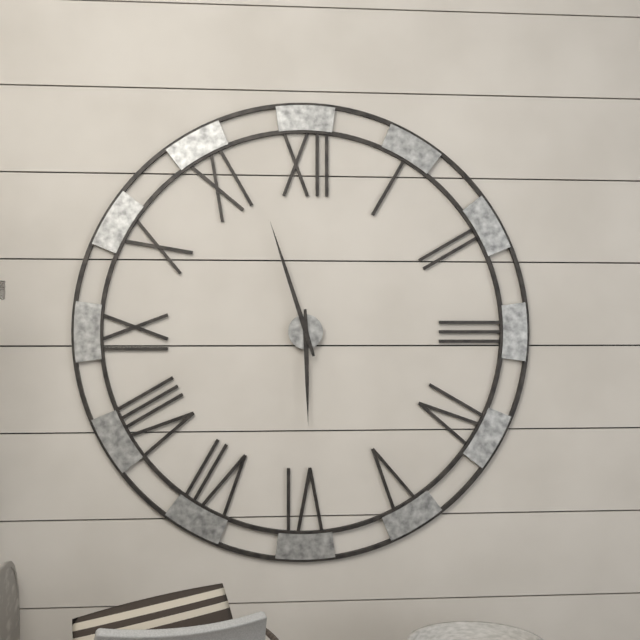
5:57
